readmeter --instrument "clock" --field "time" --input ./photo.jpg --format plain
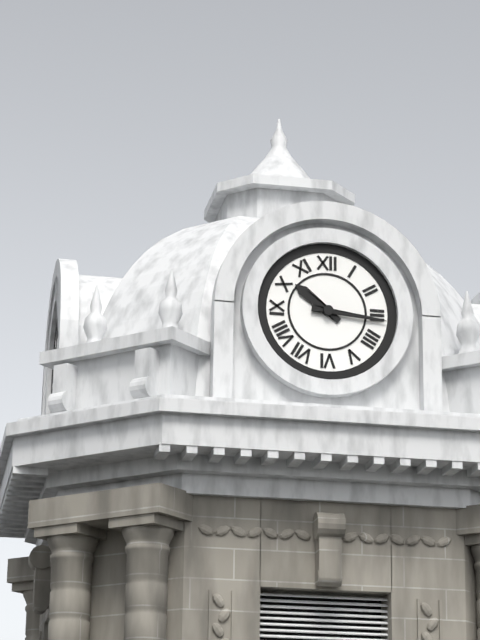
10:16
